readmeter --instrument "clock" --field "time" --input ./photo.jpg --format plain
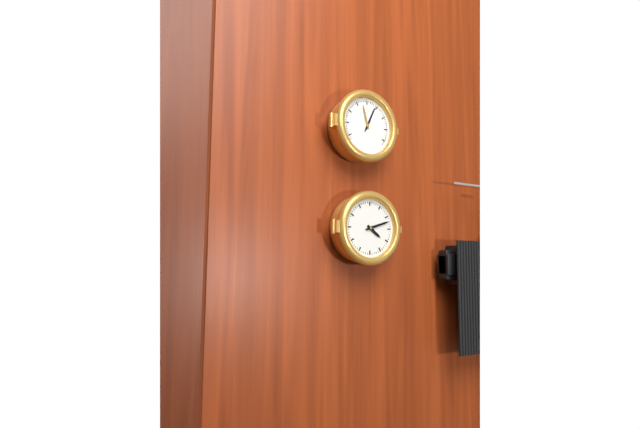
4:12
